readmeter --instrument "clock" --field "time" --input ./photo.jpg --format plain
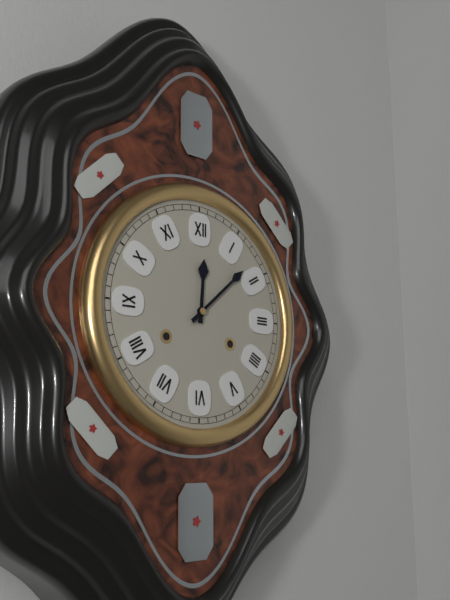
12:08
